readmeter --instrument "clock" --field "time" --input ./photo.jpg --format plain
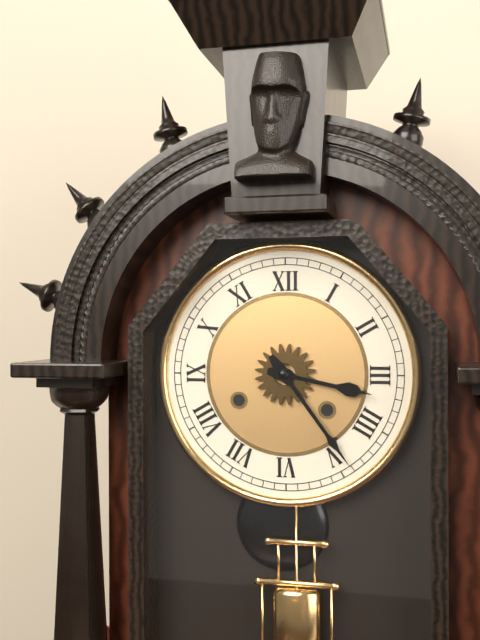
3:24
